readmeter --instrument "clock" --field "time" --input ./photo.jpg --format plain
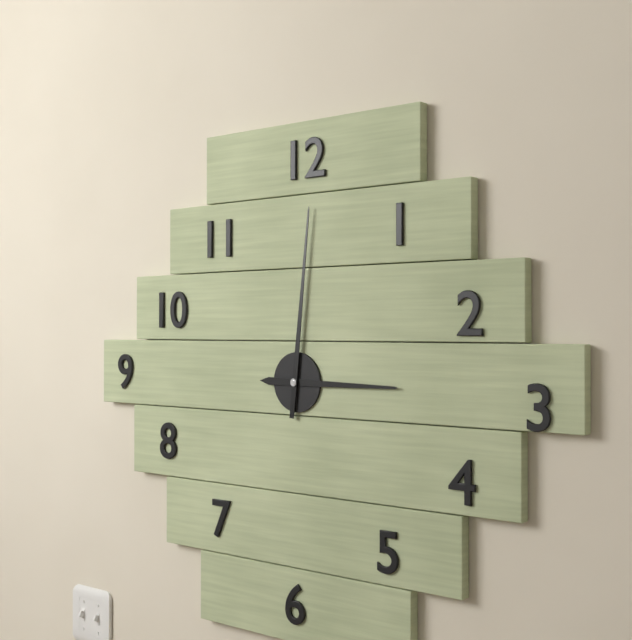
3:01
